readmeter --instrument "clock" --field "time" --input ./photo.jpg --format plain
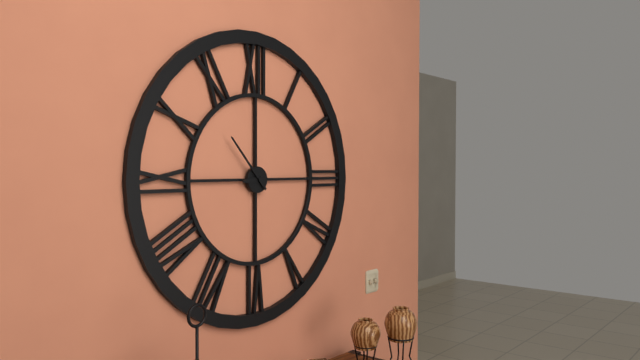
8:53
